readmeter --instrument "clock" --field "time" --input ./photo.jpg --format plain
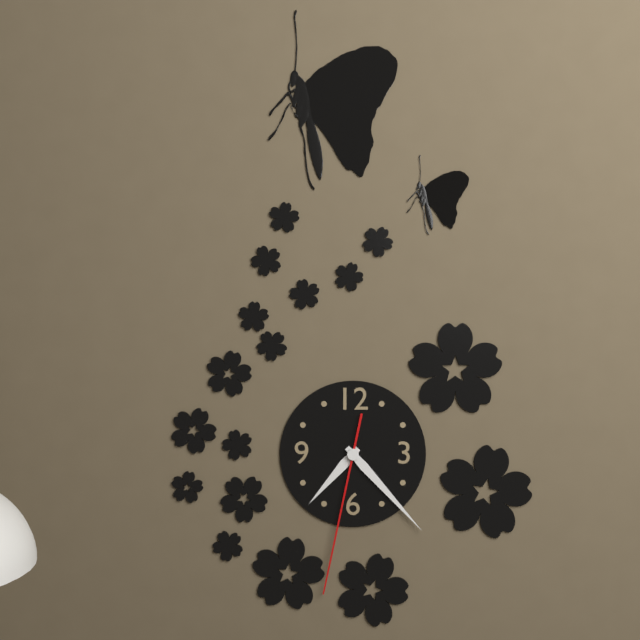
7:23:32
